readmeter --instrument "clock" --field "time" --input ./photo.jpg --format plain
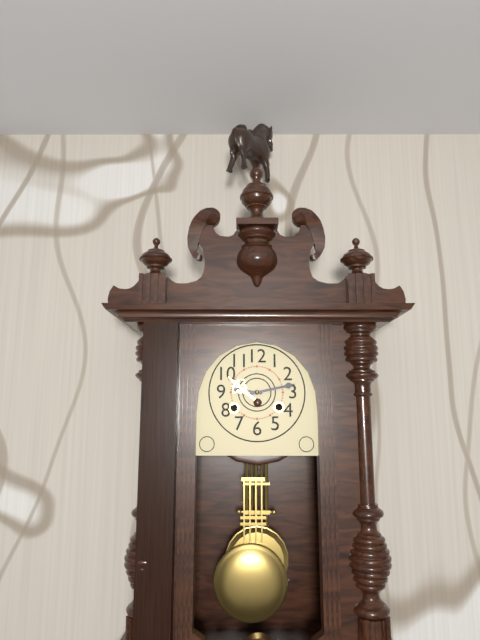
9:13
